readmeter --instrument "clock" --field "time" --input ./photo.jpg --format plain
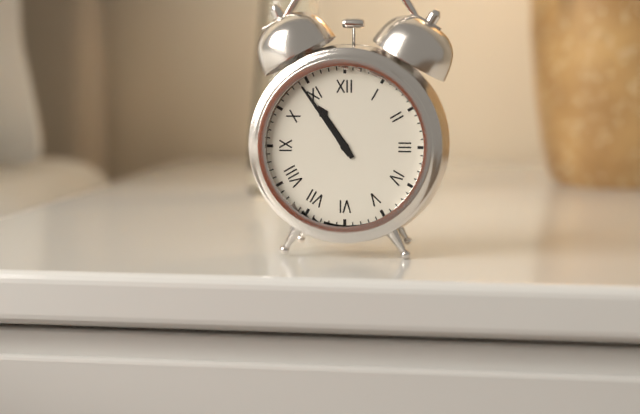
10:54
